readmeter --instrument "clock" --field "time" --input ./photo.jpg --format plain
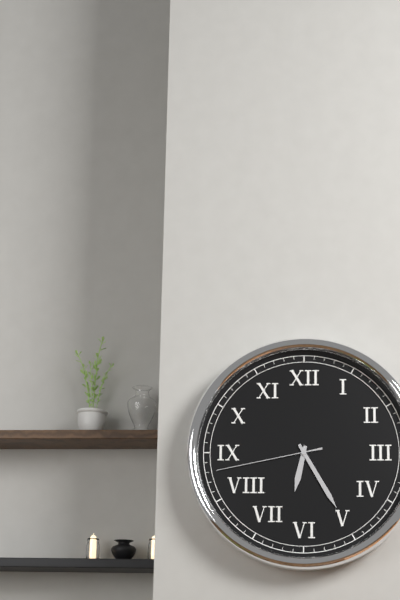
6:25:43
